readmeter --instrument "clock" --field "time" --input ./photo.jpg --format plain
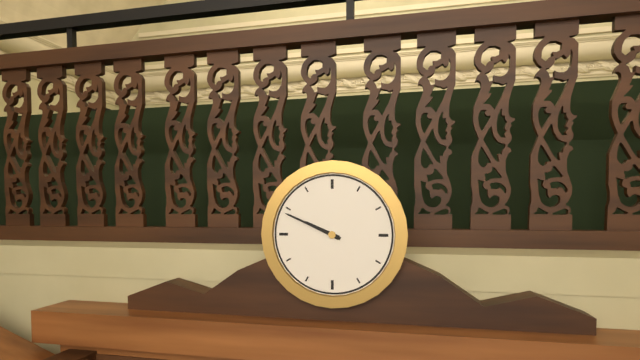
9:49
